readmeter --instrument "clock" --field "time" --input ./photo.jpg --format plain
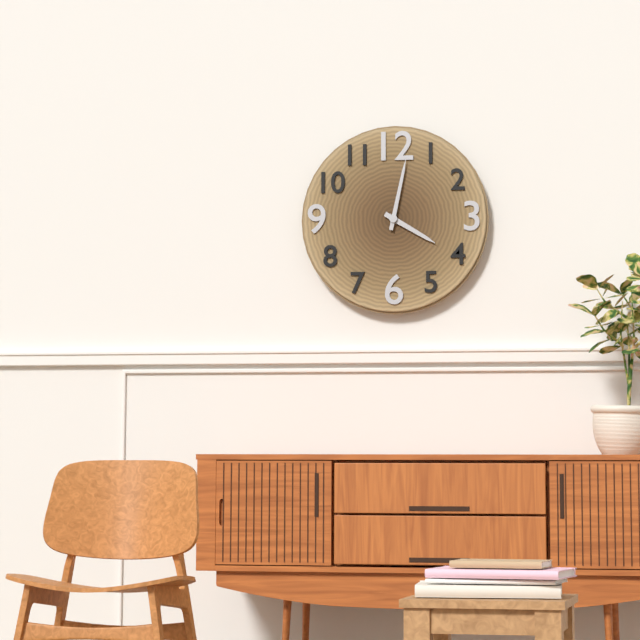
4:02
